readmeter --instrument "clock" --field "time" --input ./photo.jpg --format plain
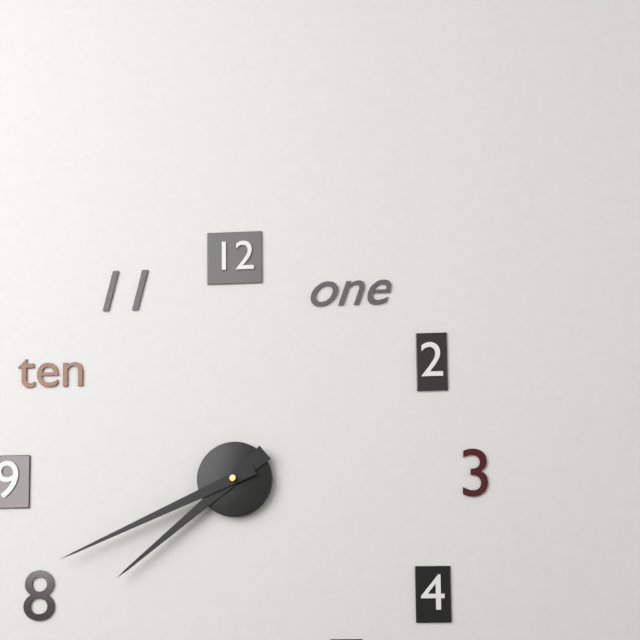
7:41
